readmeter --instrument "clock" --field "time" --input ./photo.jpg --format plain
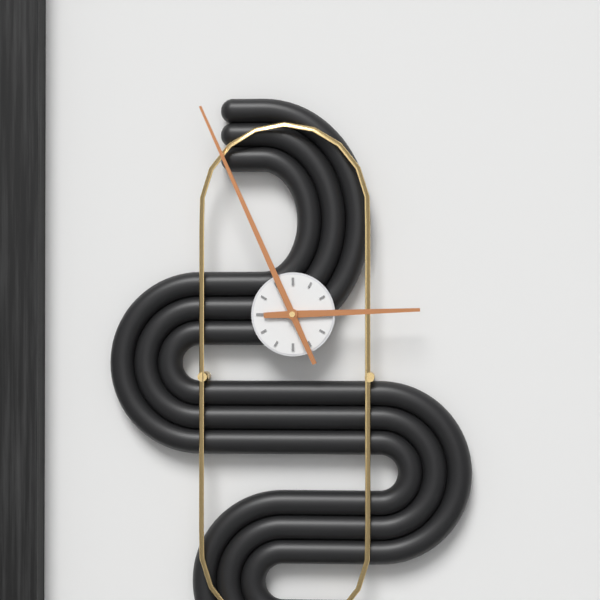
2:56
